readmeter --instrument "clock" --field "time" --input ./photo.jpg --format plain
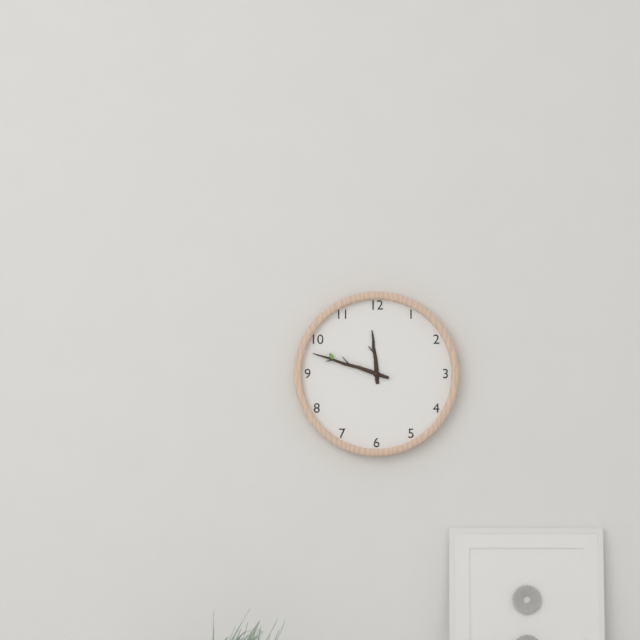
11:48
